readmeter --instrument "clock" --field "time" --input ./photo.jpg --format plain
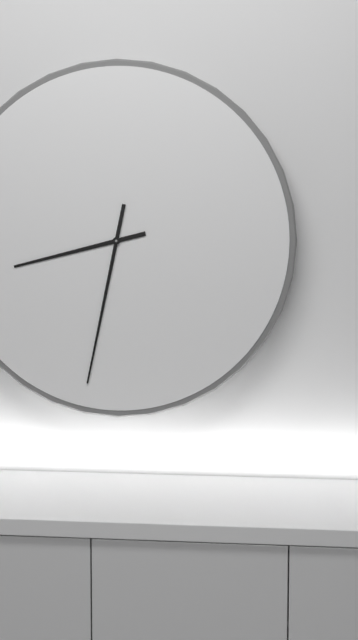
8:32
